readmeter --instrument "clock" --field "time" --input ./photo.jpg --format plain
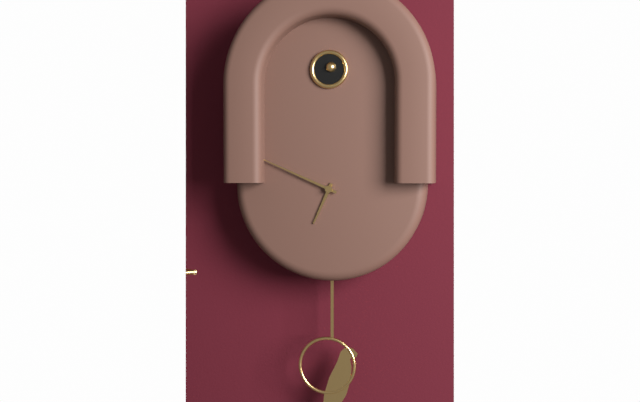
6:49
